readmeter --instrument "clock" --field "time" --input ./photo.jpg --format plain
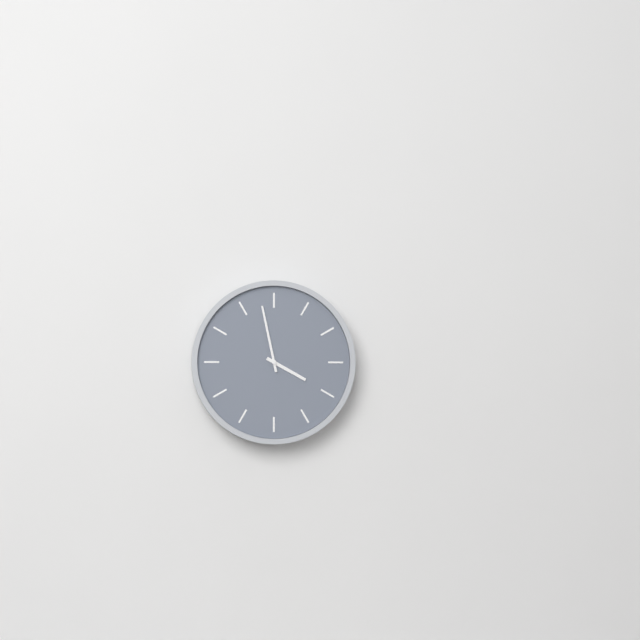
3:58
